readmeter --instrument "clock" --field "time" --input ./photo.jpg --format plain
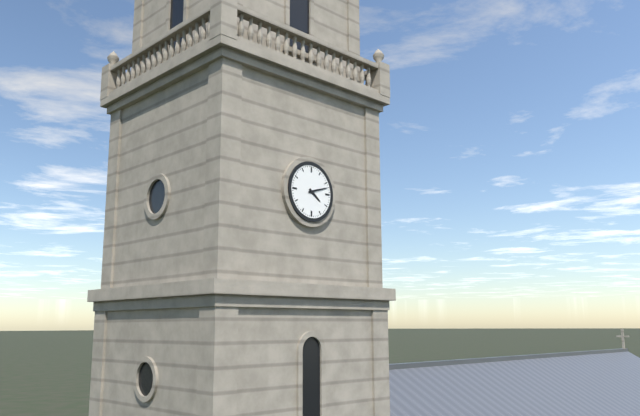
4:12
